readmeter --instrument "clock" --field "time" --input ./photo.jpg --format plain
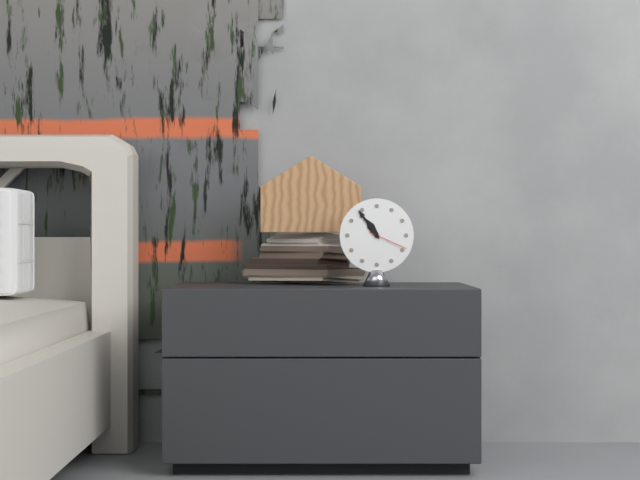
10:54
